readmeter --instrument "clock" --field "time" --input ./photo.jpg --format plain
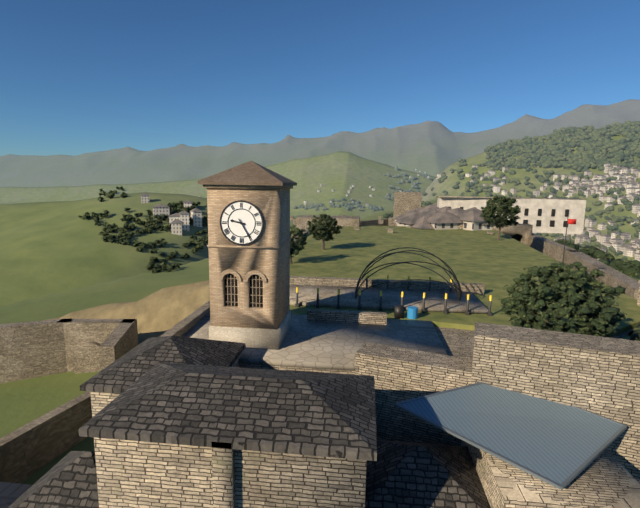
9:25
